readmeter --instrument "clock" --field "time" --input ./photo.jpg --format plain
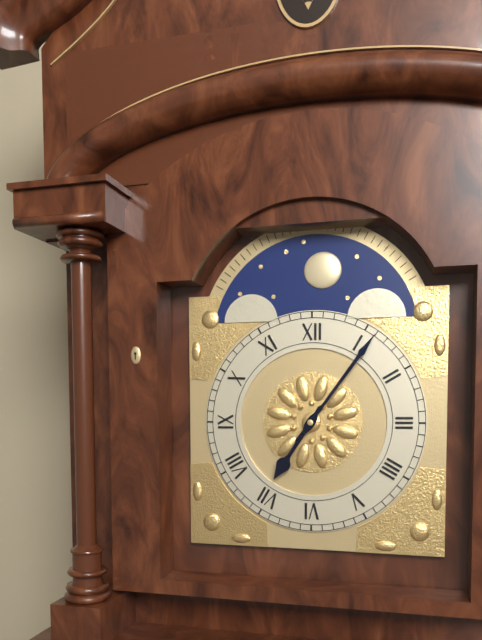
7:06
